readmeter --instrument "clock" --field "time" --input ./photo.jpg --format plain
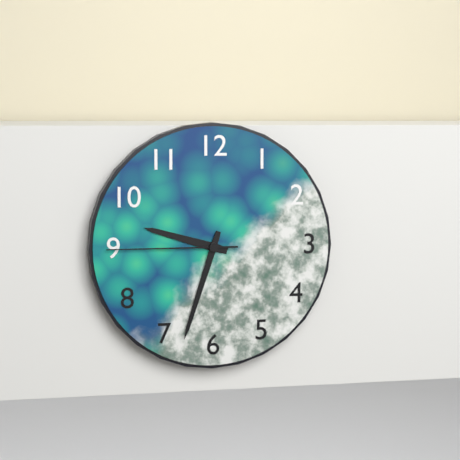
9:33:45
